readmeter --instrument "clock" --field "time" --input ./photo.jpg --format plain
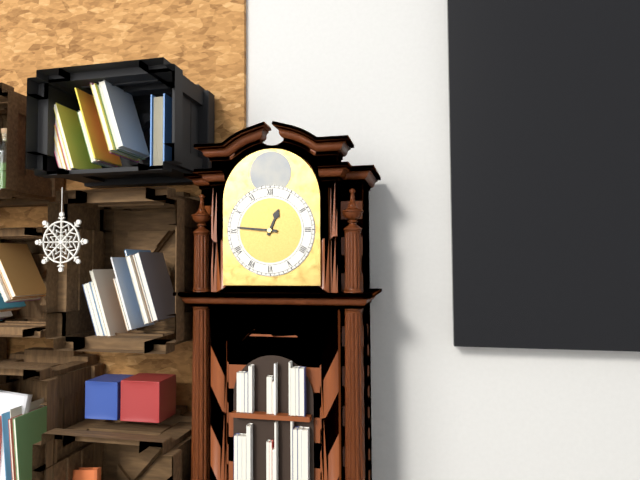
12:46
